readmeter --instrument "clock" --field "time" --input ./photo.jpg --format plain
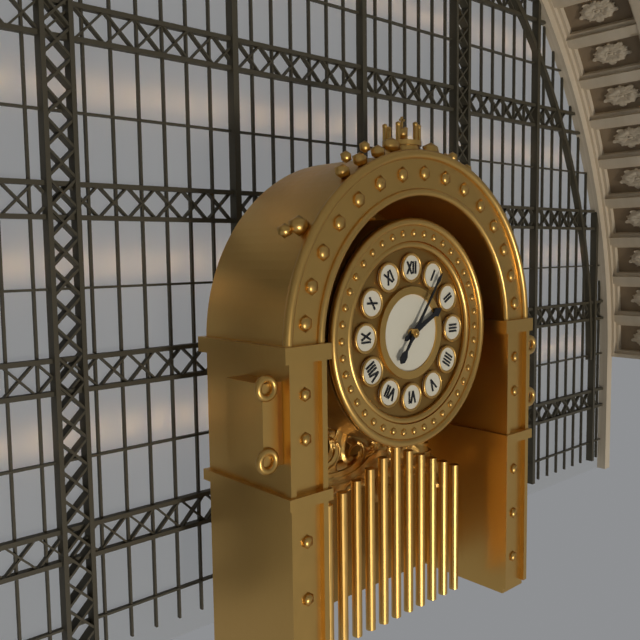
2:06
